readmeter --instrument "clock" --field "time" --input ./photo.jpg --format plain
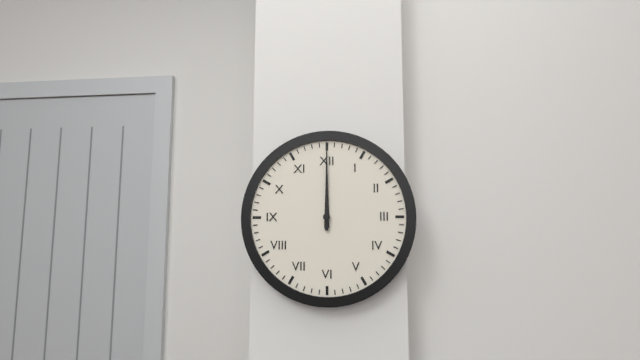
12:00
